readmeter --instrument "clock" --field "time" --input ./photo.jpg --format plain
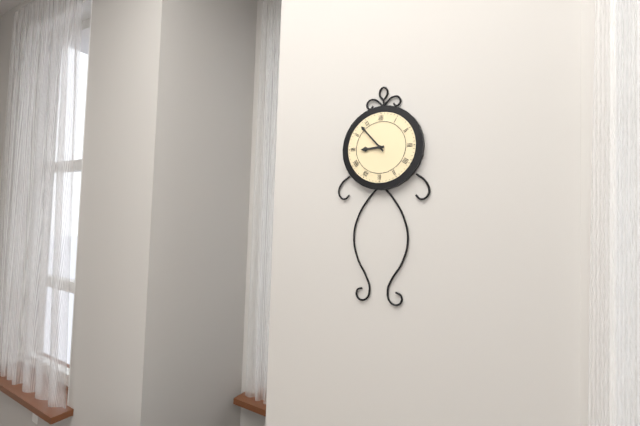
8:53
